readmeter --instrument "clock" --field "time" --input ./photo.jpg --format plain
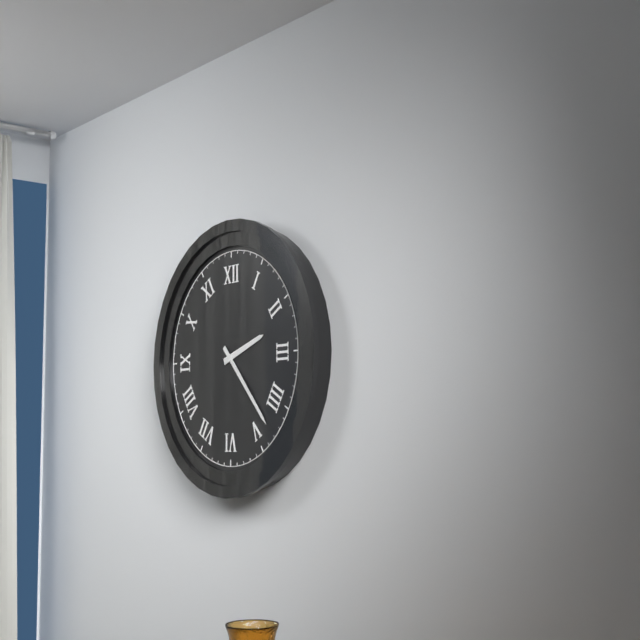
2:23
